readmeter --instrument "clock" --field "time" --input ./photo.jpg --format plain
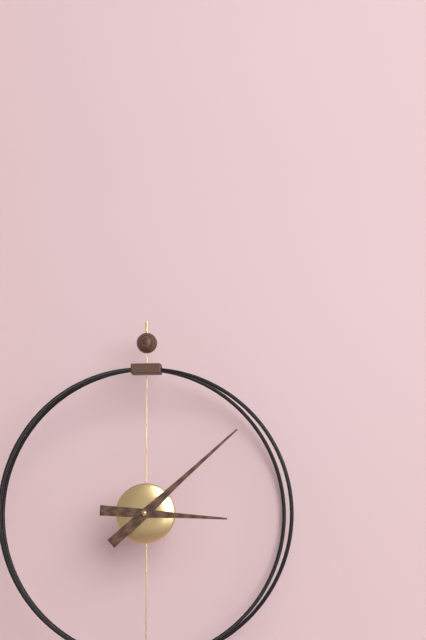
3:08
